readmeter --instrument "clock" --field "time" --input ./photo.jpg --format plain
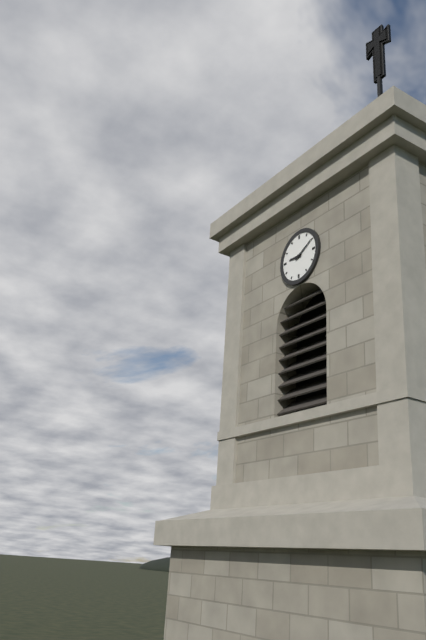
9:10
